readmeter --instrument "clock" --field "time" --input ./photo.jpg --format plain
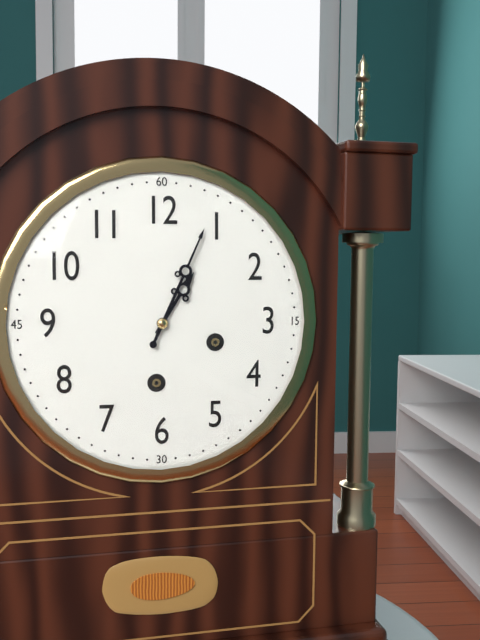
1:04
